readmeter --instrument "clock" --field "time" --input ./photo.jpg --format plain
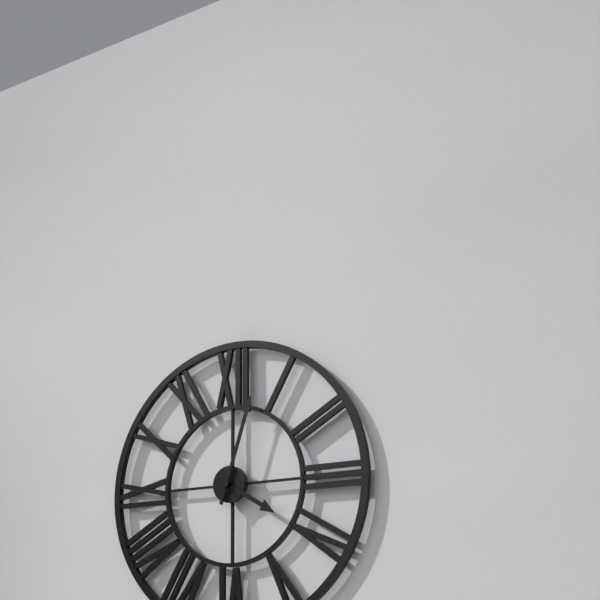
4:03
